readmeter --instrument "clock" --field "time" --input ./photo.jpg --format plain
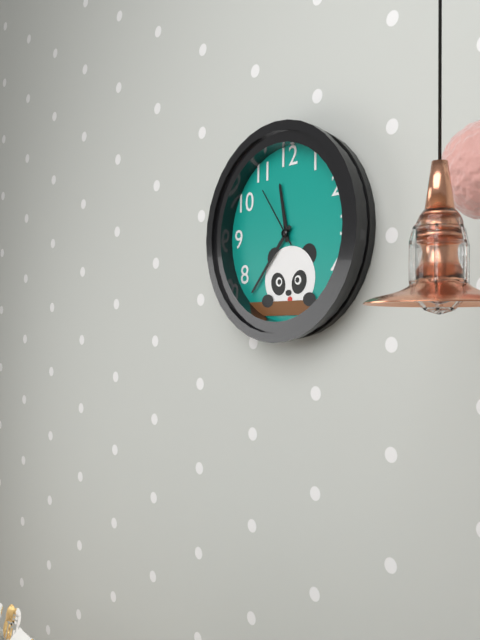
11:37:54
